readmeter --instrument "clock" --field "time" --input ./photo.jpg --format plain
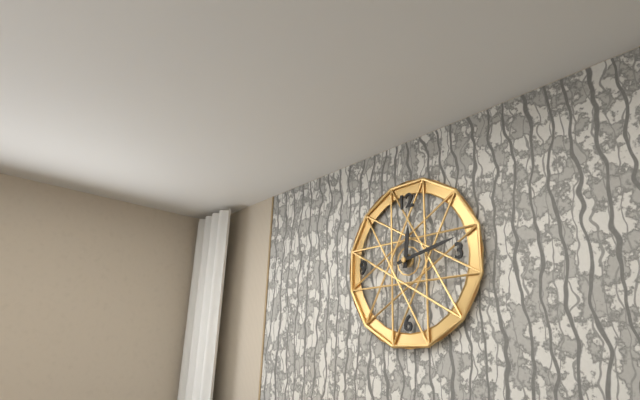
12:13
